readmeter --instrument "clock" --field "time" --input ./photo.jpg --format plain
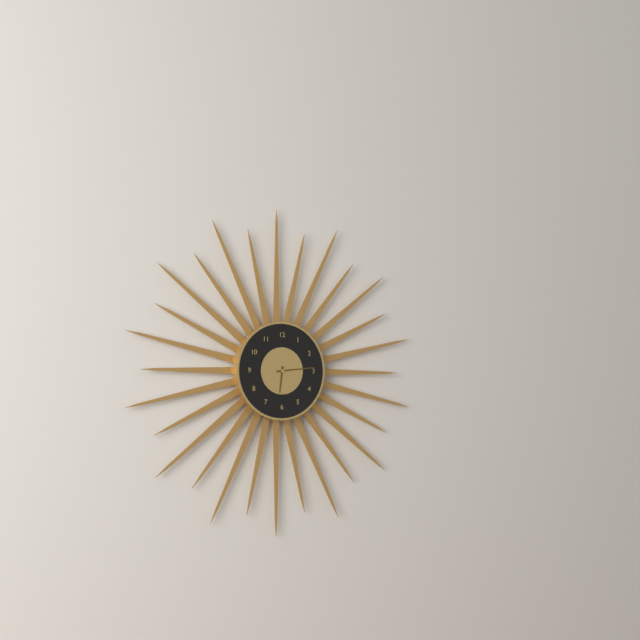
6:14
